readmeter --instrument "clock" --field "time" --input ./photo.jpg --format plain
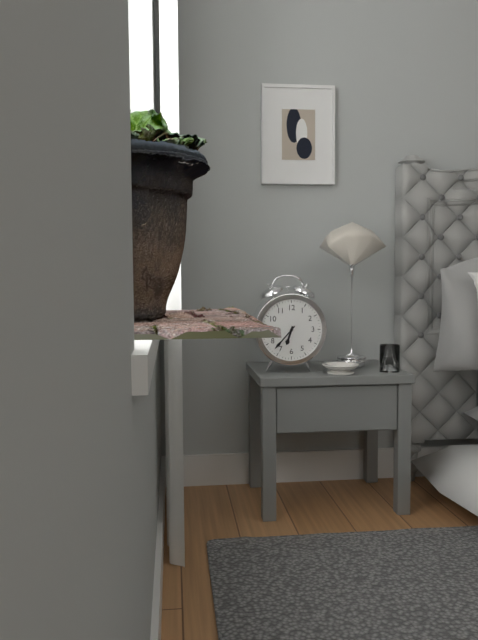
6:37
